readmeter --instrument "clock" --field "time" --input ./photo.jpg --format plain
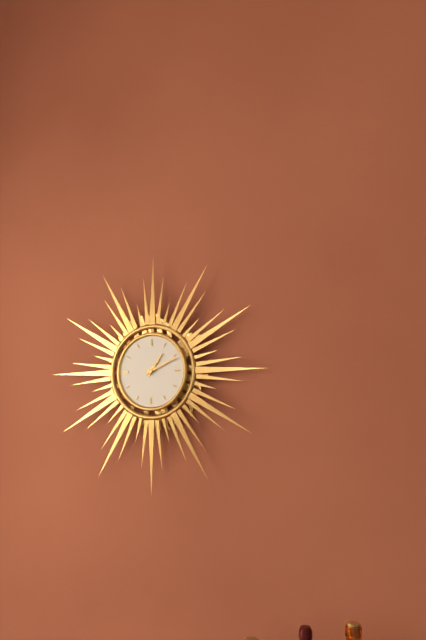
1:11
